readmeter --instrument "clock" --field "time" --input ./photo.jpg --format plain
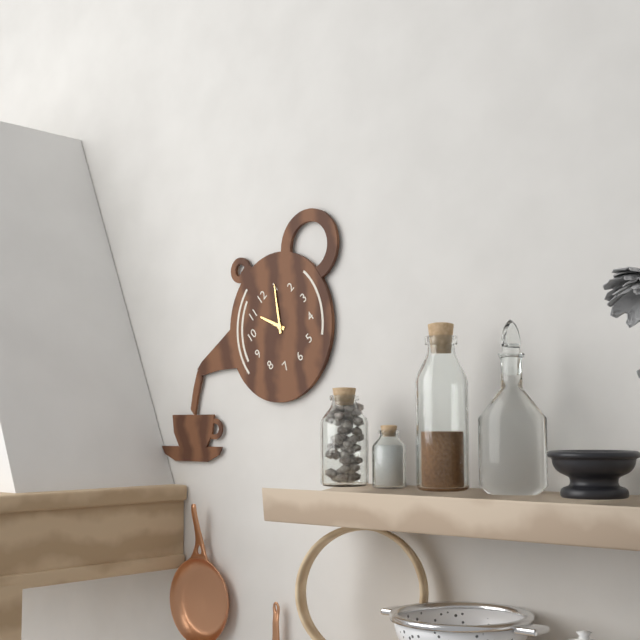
11:05
